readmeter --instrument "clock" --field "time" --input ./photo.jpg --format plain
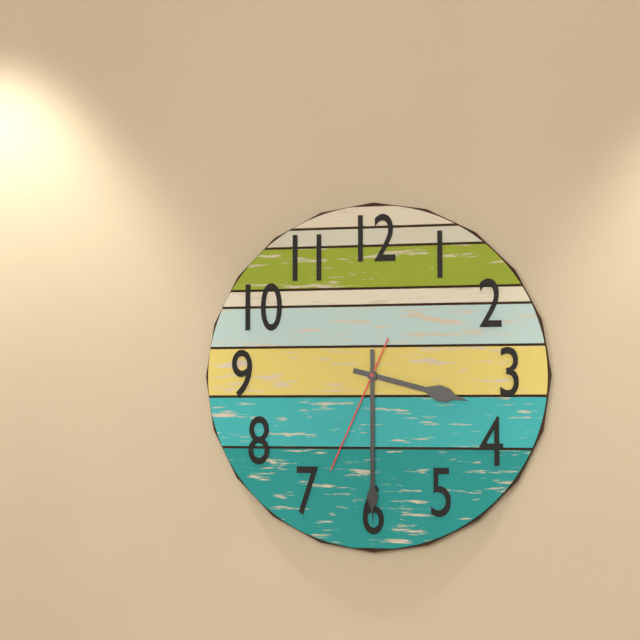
3:30:34
